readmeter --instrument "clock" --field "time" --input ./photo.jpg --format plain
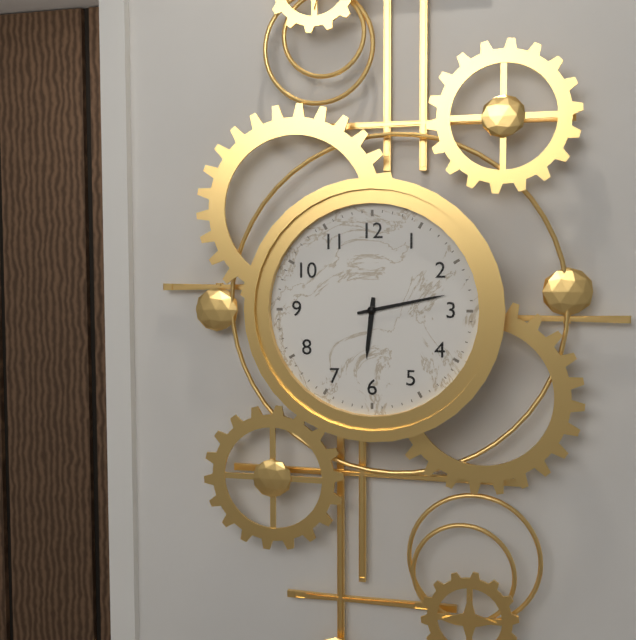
6:13
